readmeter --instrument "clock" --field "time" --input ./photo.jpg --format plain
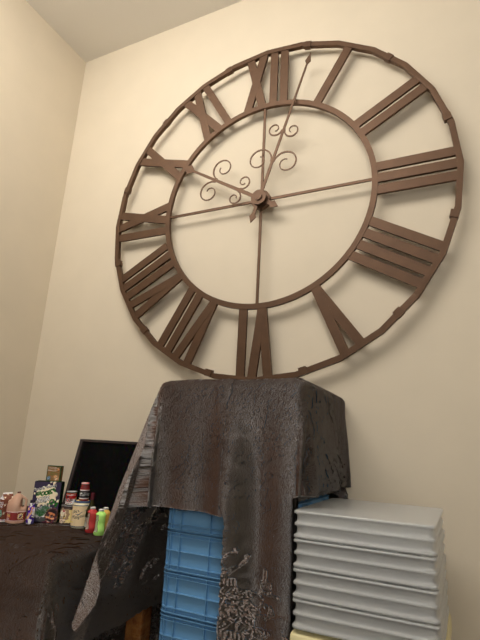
10:03
